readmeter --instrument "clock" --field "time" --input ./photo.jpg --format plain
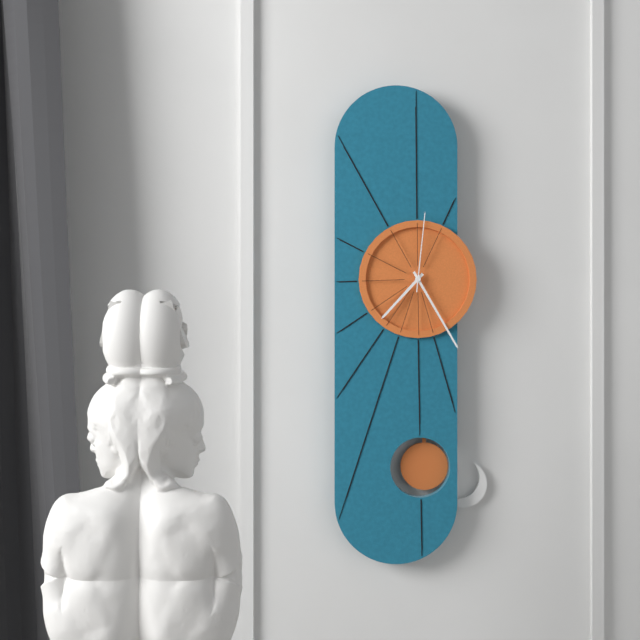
7:25:01
